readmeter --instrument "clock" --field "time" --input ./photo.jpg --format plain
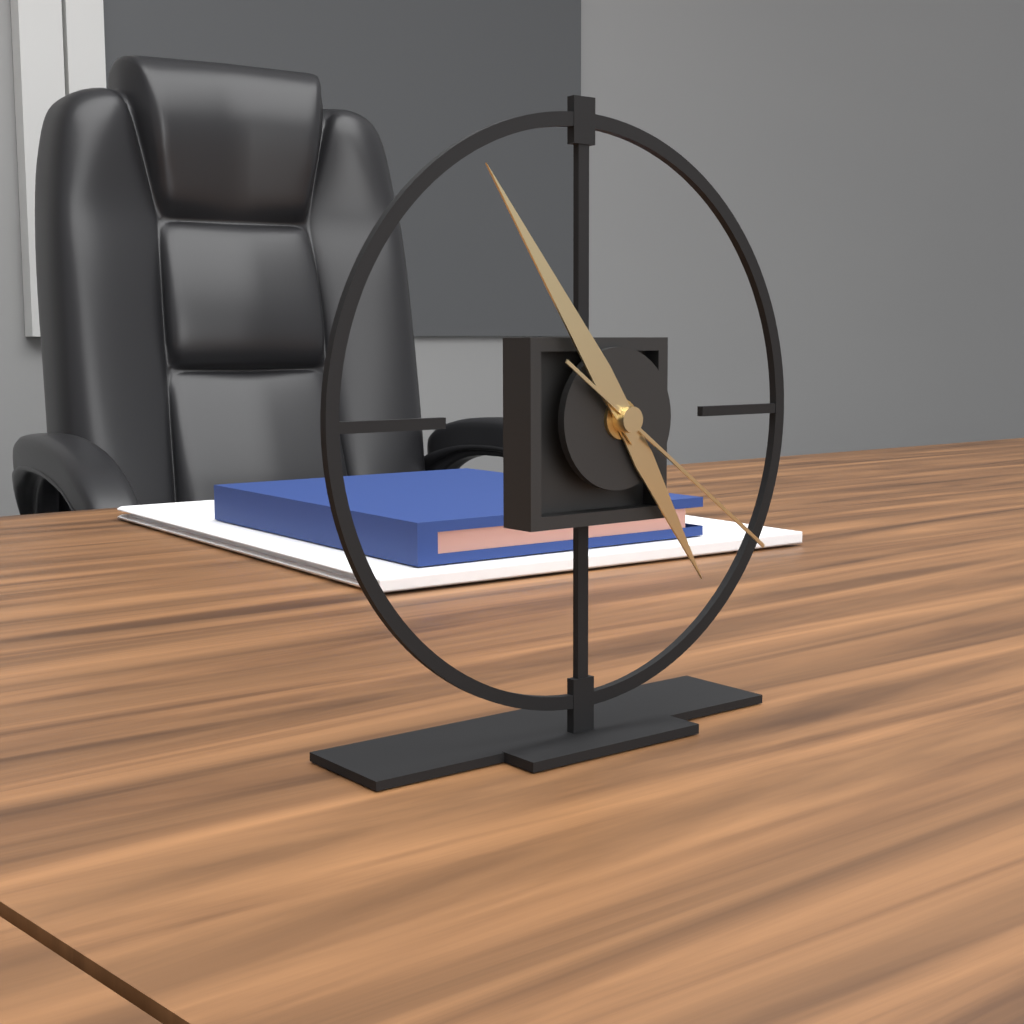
4:54:21
